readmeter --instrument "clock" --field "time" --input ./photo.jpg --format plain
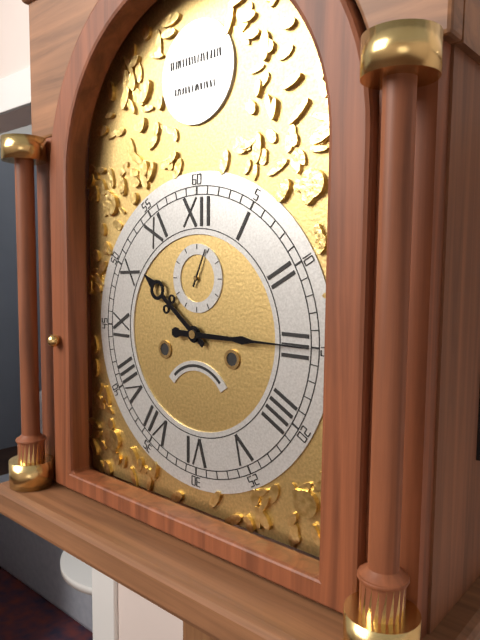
10:15
